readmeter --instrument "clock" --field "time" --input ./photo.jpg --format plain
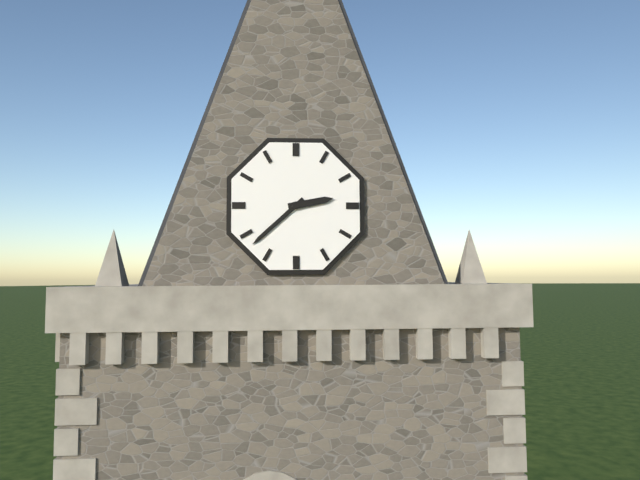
2:38
